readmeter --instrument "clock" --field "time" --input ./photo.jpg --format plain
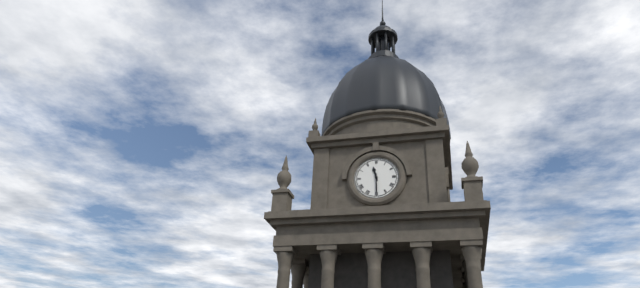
11:30
